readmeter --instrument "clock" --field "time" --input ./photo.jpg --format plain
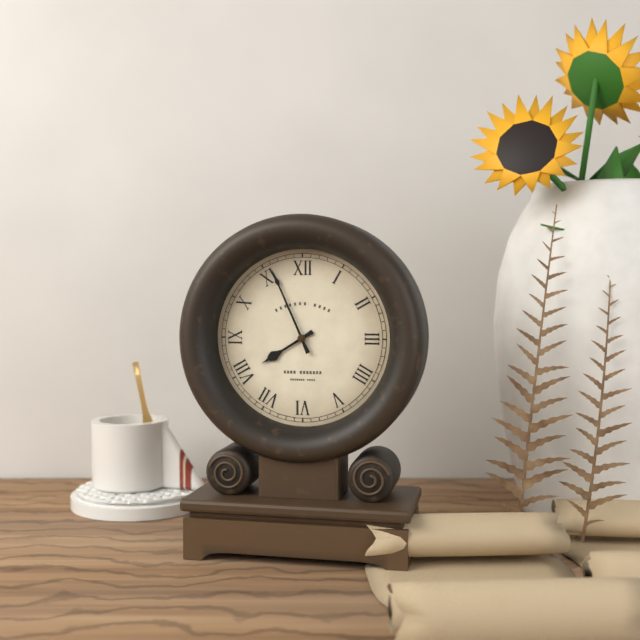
7:56
